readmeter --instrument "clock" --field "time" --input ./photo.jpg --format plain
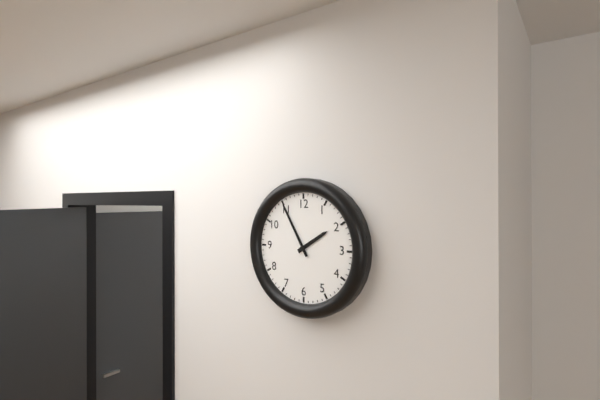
1:55
